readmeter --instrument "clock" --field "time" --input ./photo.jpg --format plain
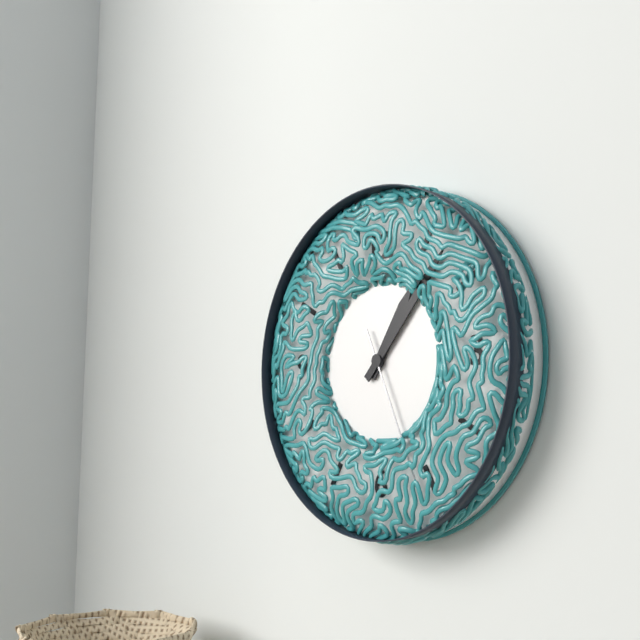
1:07:26
